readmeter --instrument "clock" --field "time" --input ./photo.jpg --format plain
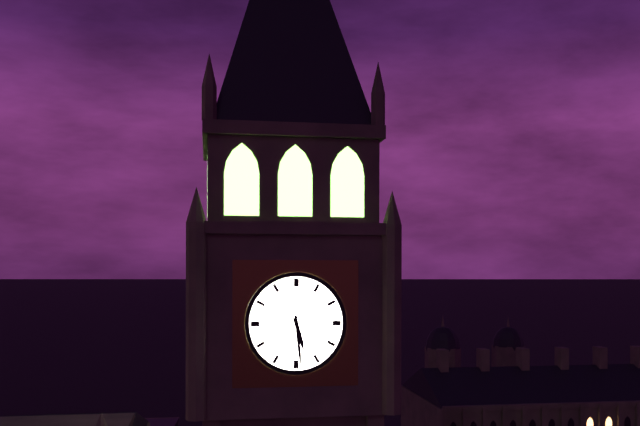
5:29
